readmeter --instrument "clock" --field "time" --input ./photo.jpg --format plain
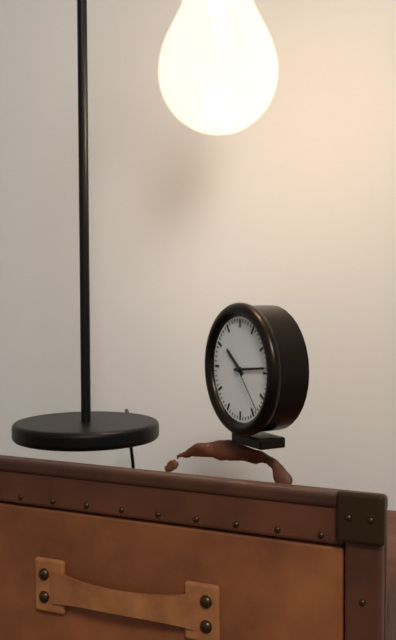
10:14:23
